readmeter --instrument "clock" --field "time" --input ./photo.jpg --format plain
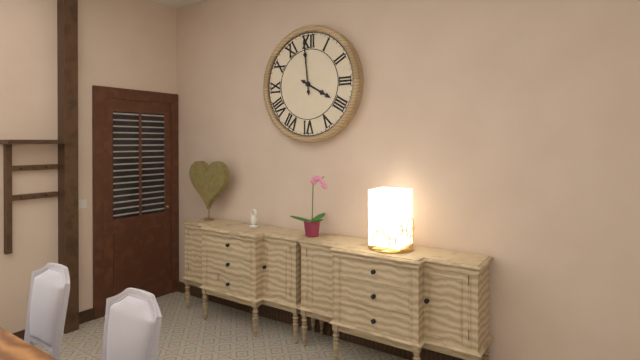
3:59
